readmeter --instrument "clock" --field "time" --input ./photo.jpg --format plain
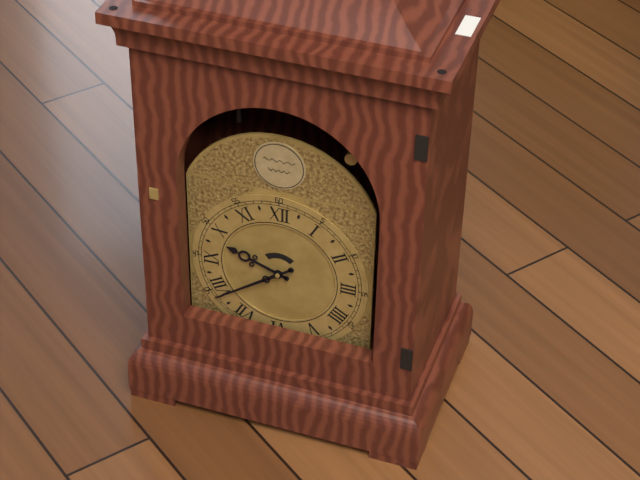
9:39
